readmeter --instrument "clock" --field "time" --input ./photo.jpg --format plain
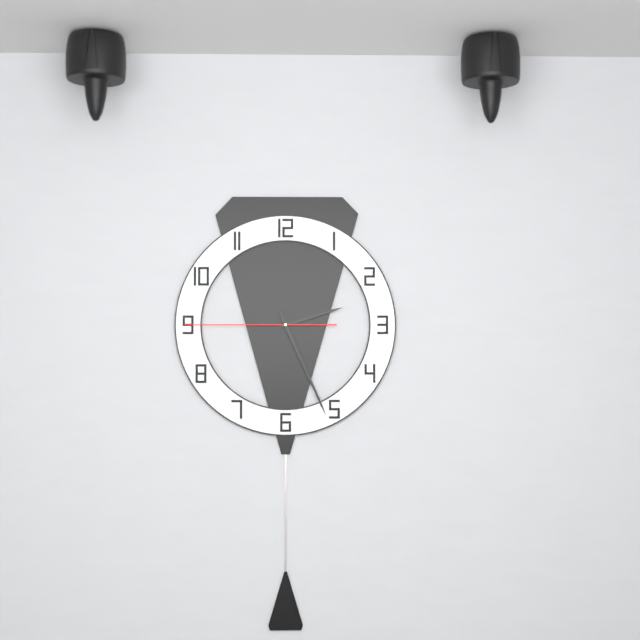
2:26:45
